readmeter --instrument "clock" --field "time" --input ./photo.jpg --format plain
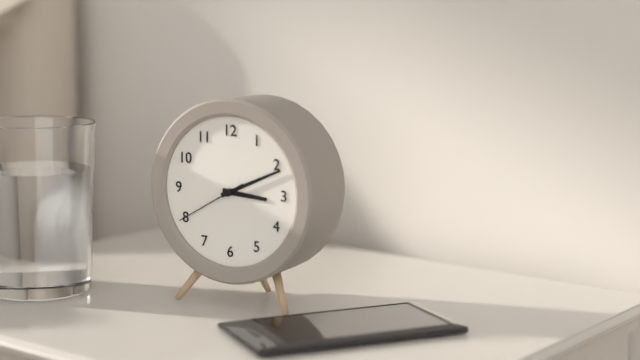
3:11:40
